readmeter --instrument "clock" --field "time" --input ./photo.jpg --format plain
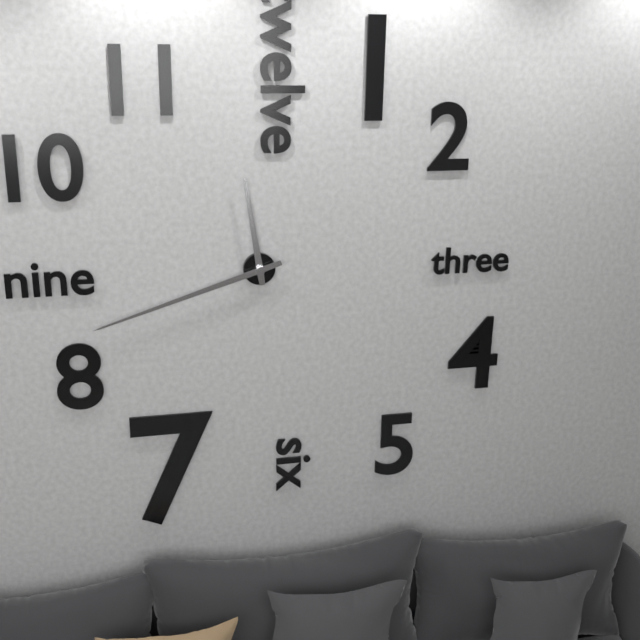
11:42
